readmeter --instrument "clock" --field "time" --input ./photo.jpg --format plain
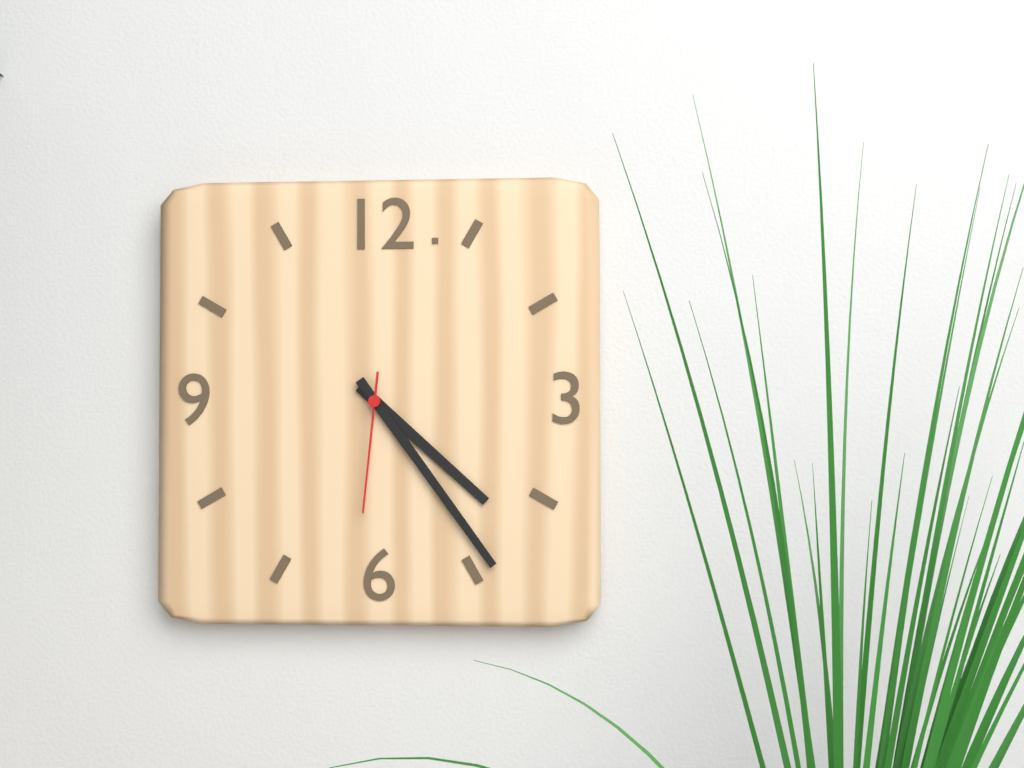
4:24:31
